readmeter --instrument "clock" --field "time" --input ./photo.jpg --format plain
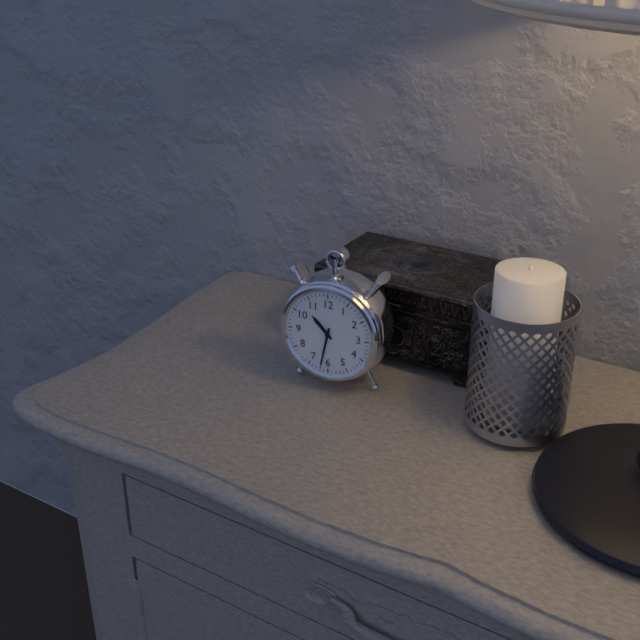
10:32
